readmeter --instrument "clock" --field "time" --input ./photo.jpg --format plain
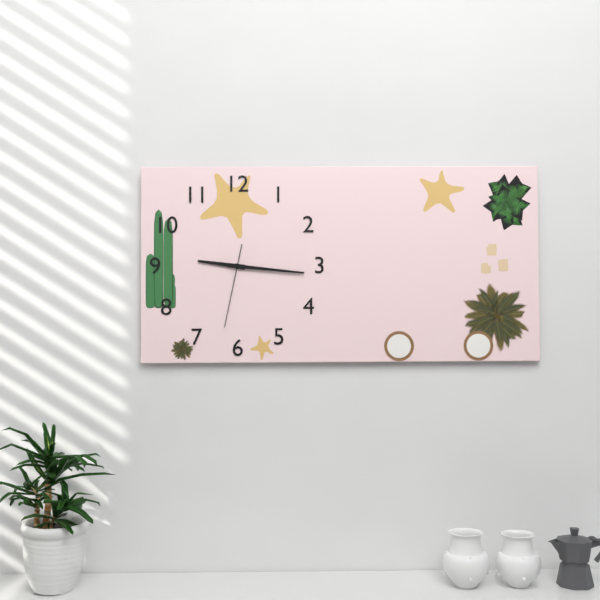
9:16:32
